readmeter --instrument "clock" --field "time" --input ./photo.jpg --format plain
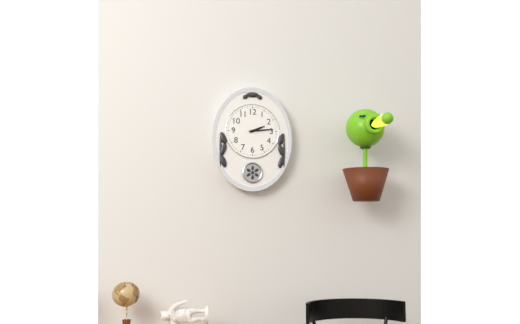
2:14
